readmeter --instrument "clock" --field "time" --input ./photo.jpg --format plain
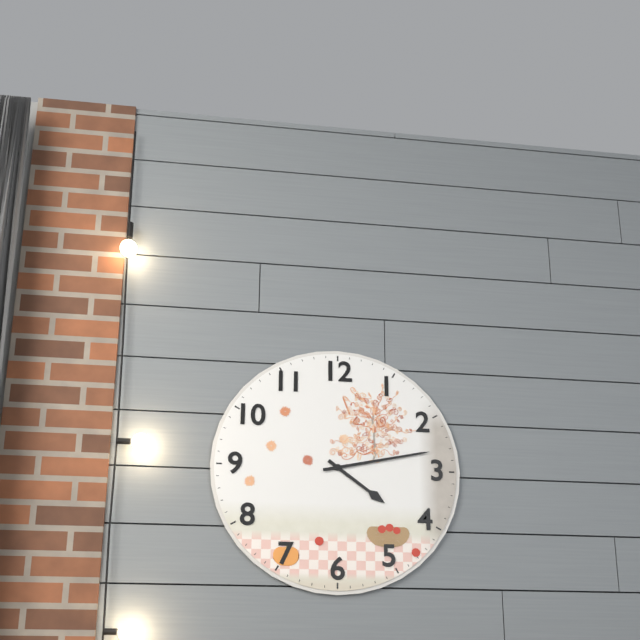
4:13
